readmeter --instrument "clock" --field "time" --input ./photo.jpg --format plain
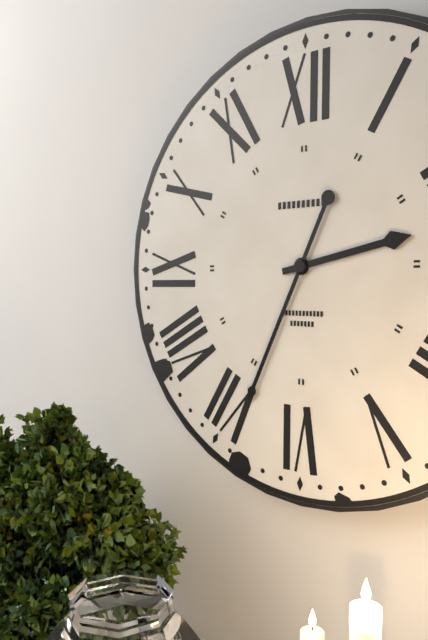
2:34
